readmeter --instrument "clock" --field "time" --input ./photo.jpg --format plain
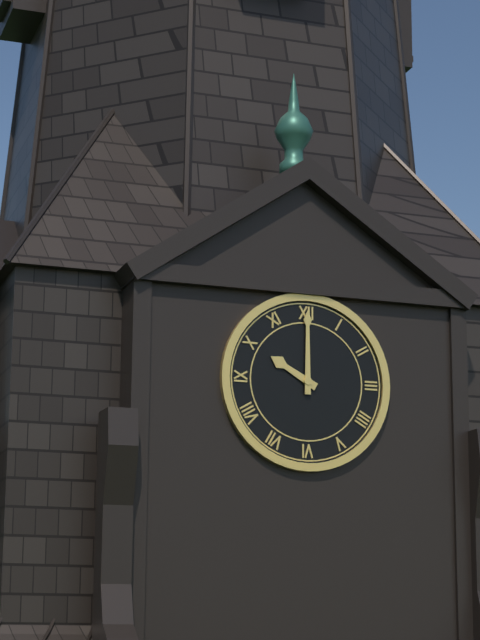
10:00
